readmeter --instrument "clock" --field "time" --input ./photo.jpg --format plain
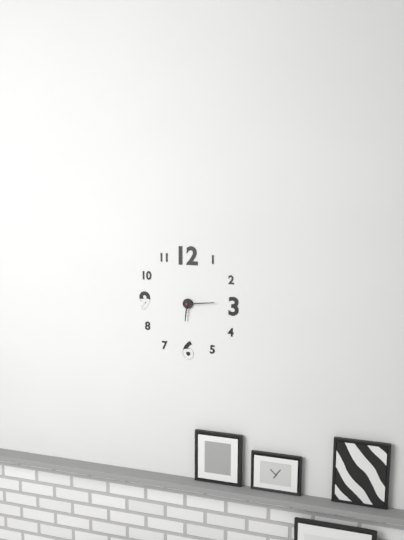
6:14
